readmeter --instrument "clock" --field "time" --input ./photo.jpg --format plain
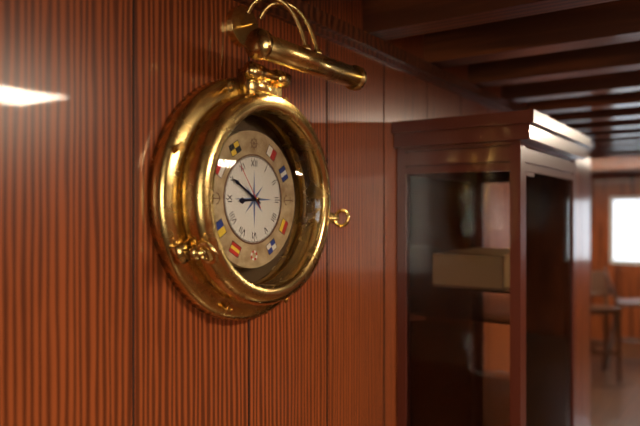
8:50
